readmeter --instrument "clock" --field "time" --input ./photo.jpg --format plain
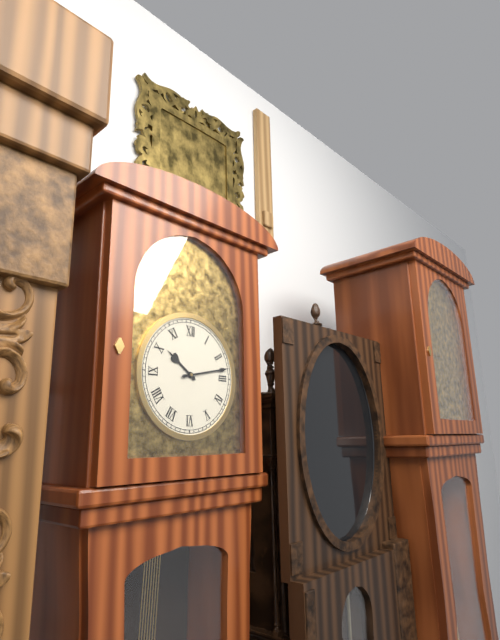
10:13
